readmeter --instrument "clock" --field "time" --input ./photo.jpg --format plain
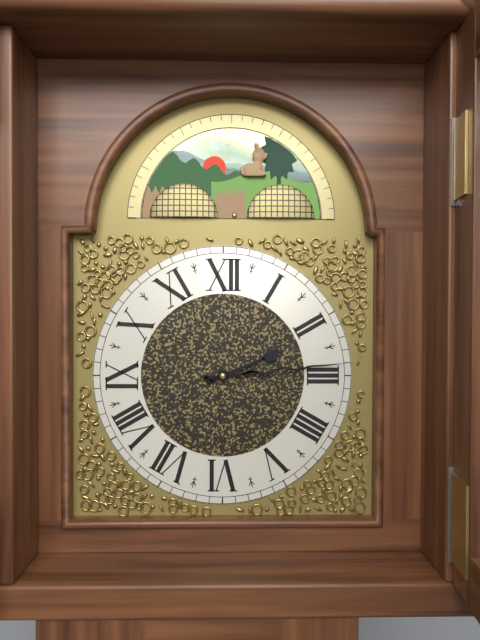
2:14
